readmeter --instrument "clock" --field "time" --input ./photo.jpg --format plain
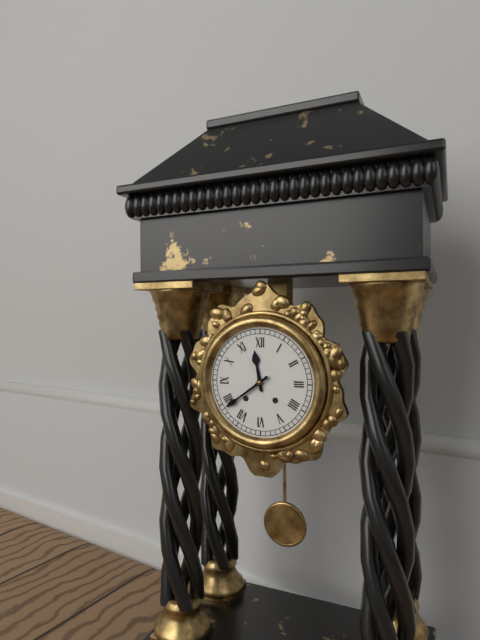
11:39
